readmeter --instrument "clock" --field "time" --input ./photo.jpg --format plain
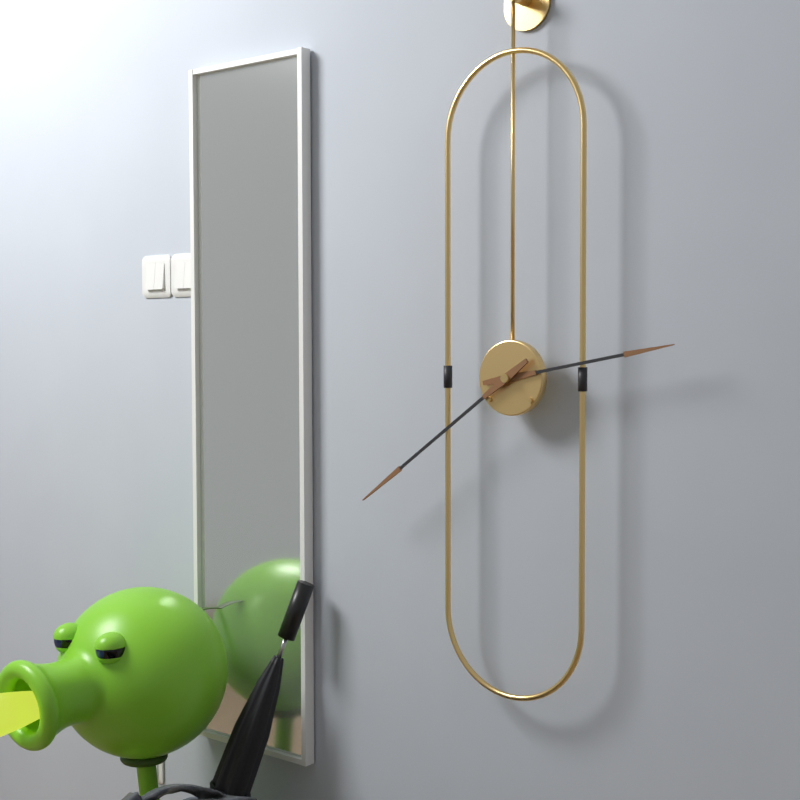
2:39
